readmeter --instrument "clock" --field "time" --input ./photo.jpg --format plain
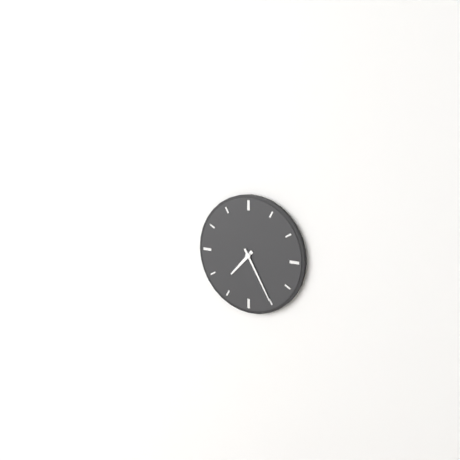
7:25
